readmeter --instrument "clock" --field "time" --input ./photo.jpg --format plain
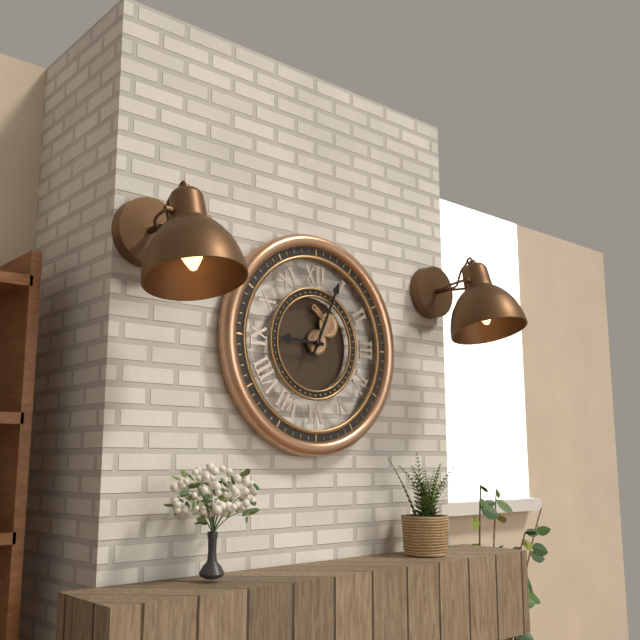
9:04
